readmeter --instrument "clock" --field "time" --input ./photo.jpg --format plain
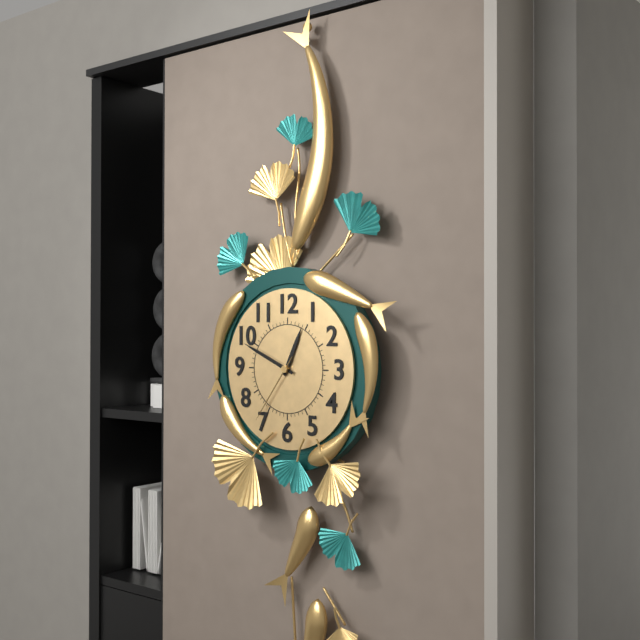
12:49:36
